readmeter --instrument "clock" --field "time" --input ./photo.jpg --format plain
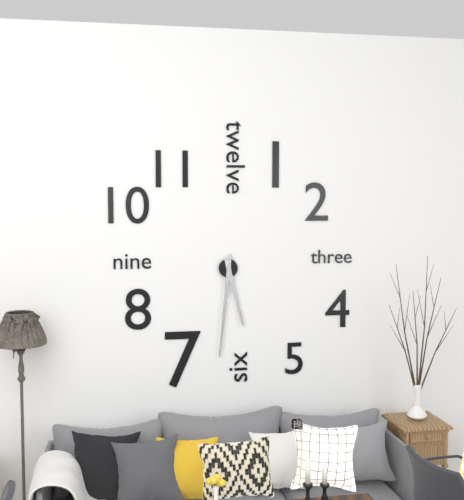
5:31
